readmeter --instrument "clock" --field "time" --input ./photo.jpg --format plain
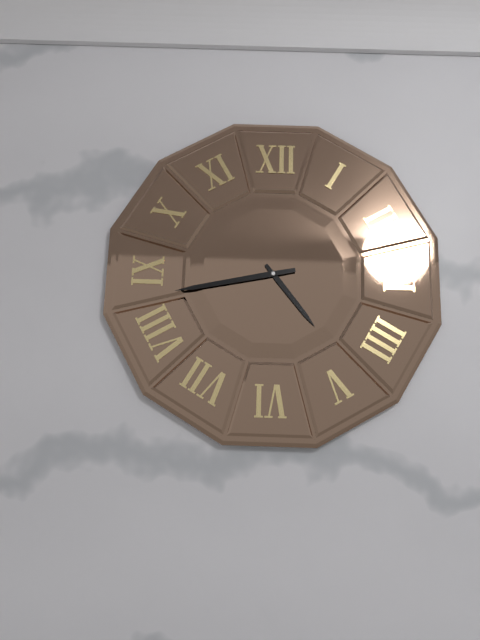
4:43
